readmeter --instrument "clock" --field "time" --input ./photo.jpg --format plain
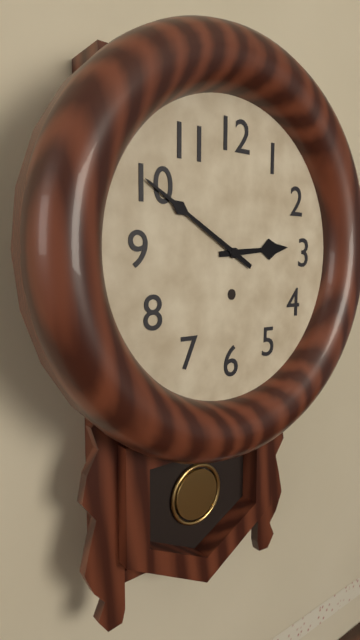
2:50
